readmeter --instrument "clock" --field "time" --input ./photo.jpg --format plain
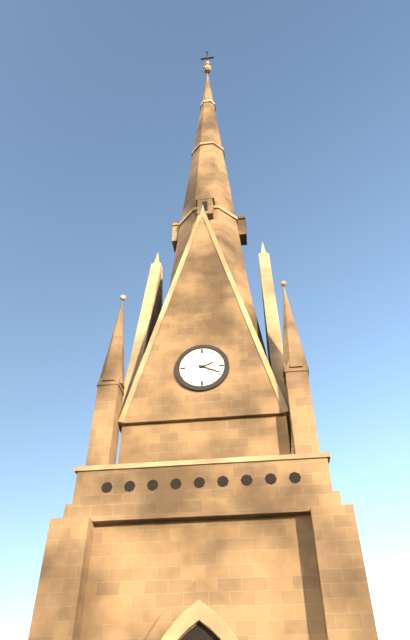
2:19
